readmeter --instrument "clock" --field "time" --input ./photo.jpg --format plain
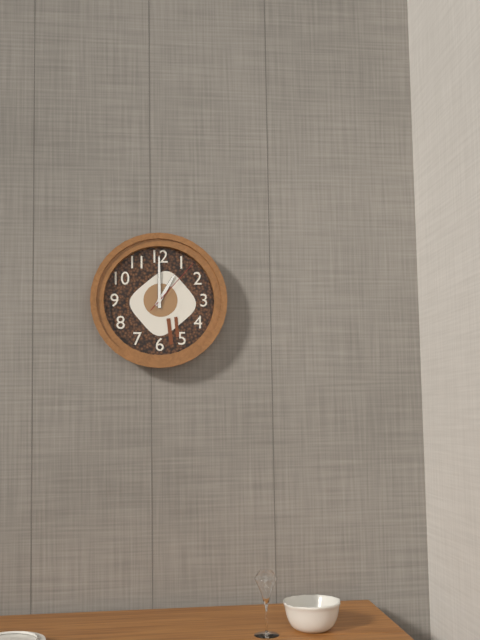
1:00:07
